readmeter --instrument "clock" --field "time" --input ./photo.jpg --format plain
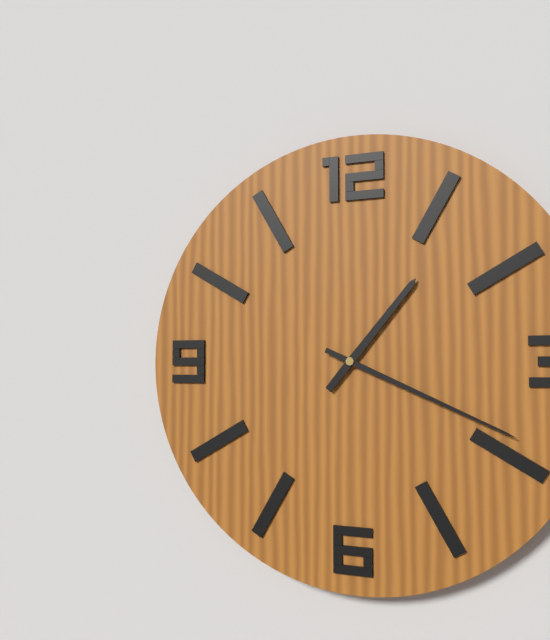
1:19
